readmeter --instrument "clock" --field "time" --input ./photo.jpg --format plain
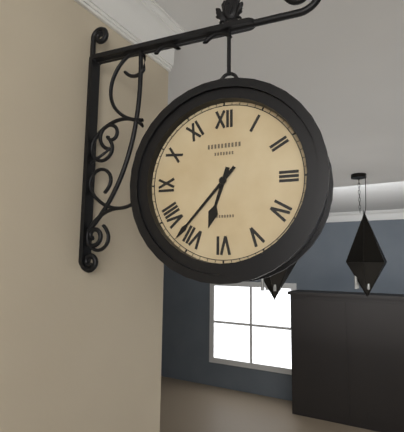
6:37
